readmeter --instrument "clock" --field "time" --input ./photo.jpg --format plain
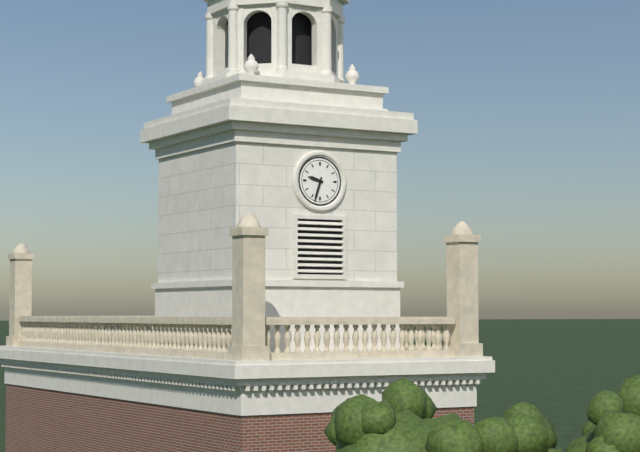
9:33
